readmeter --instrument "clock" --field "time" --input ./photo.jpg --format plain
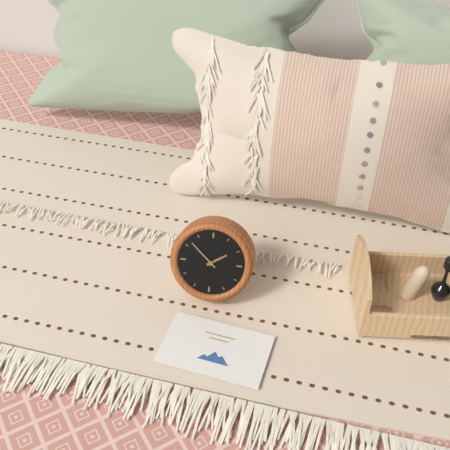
1:52
